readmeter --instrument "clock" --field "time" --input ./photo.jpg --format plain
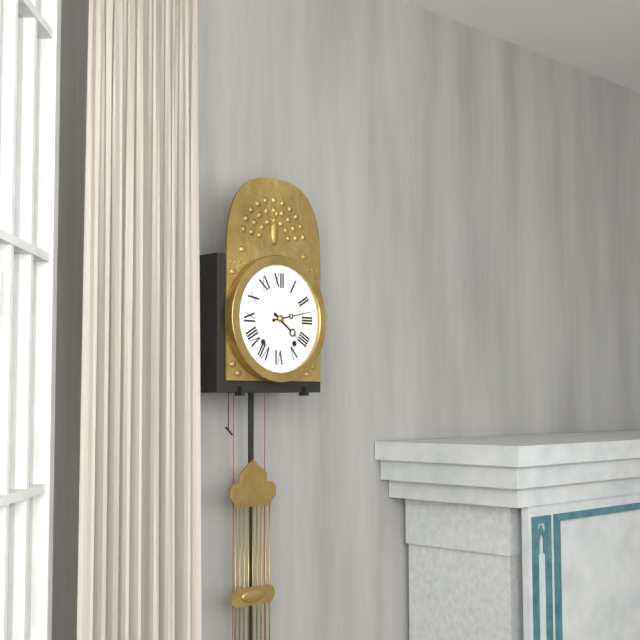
4:13
